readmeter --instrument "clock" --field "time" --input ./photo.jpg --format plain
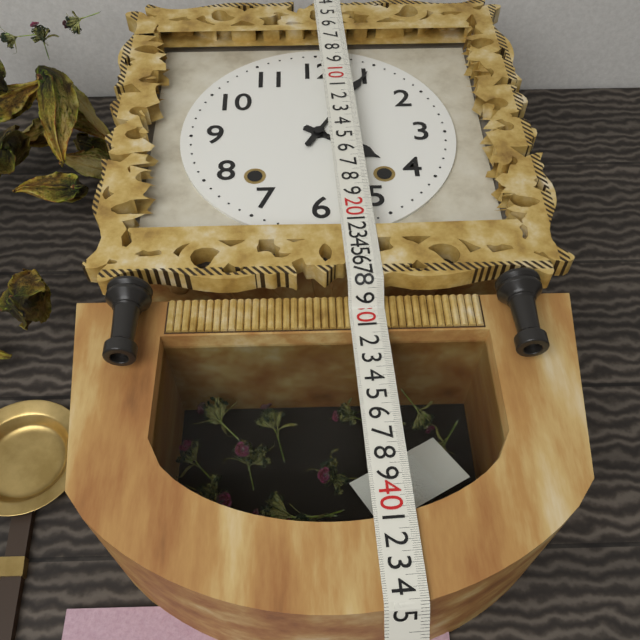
4:05
